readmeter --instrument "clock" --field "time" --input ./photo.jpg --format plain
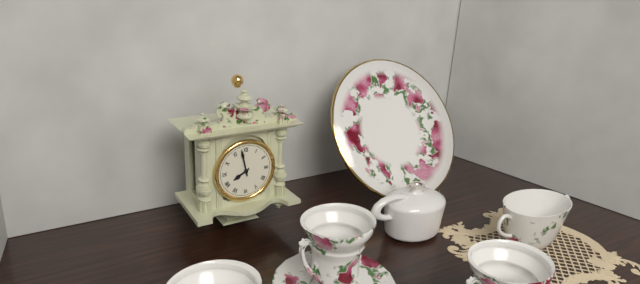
7:58
